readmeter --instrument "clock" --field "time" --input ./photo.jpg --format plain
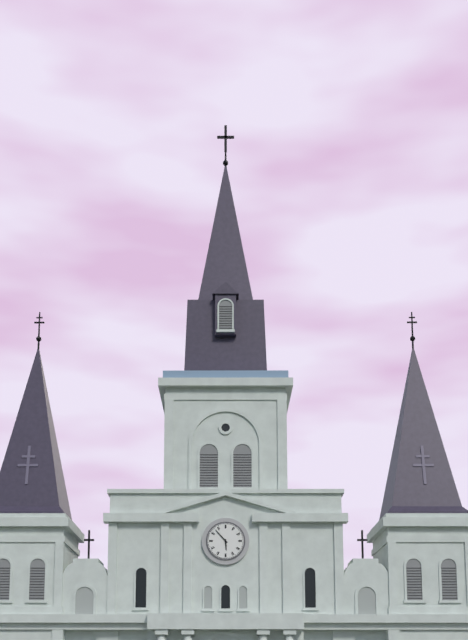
5:53
